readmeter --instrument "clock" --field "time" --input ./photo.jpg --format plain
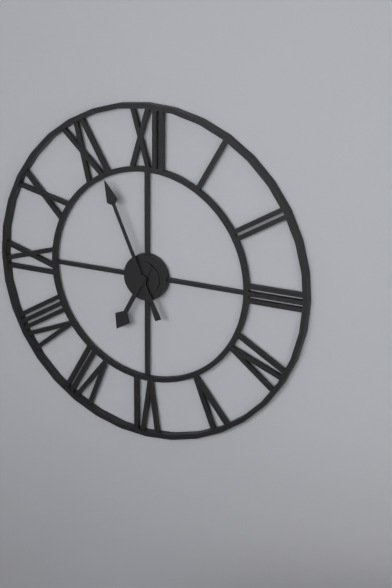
6:56
